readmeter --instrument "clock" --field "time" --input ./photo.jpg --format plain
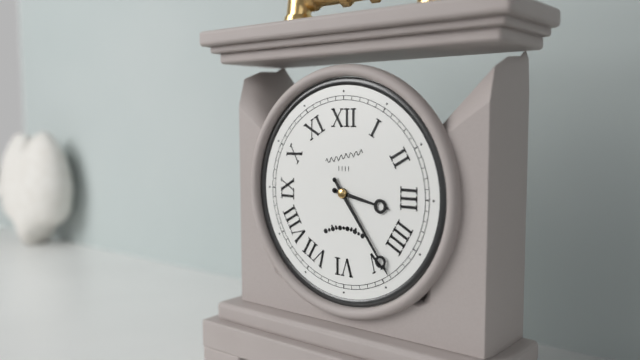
3:24
